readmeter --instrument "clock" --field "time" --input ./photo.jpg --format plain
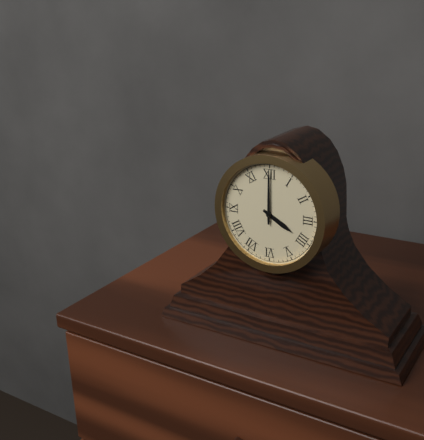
4:00
